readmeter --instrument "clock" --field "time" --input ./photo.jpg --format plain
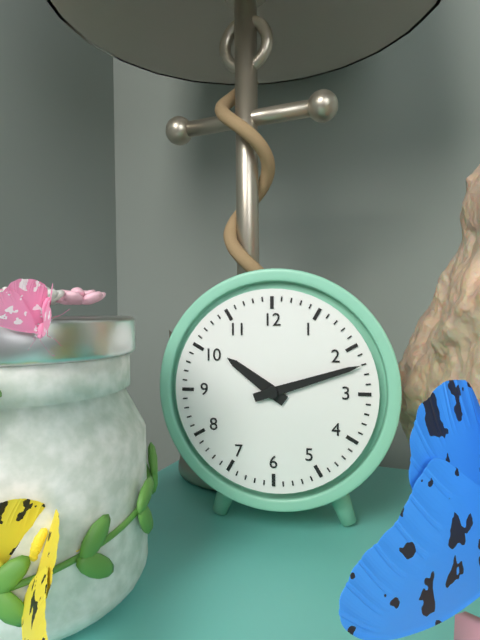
10:12
